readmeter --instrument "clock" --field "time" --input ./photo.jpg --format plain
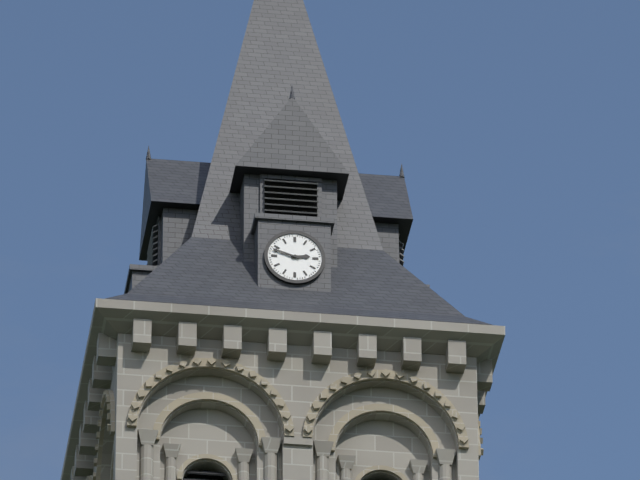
2:48
